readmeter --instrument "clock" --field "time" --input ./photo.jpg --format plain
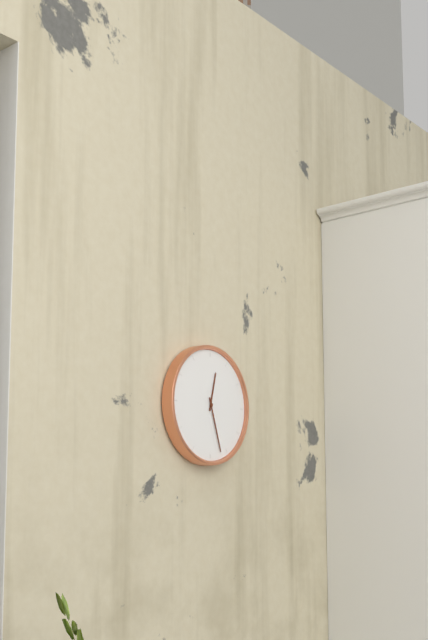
12:27
